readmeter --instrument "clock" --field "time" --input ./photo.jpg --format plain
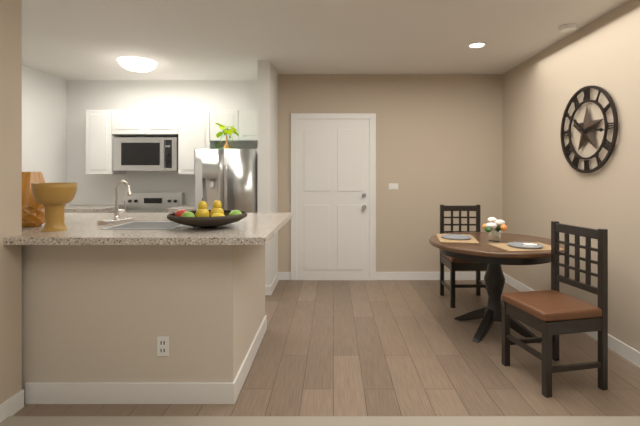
10:16
